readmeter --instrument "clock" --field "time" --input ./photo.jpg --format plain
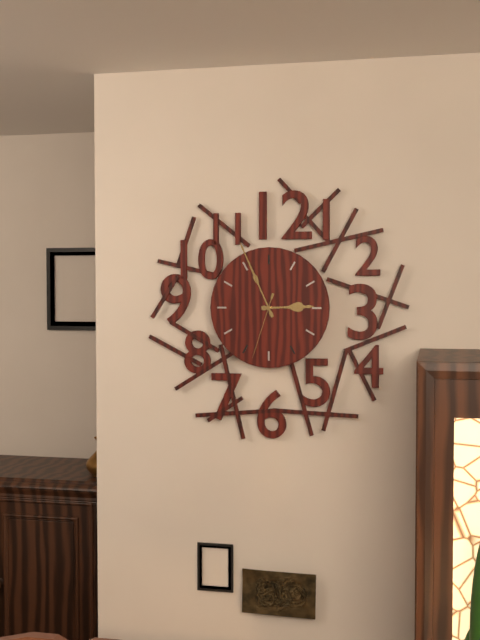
2:56:33
